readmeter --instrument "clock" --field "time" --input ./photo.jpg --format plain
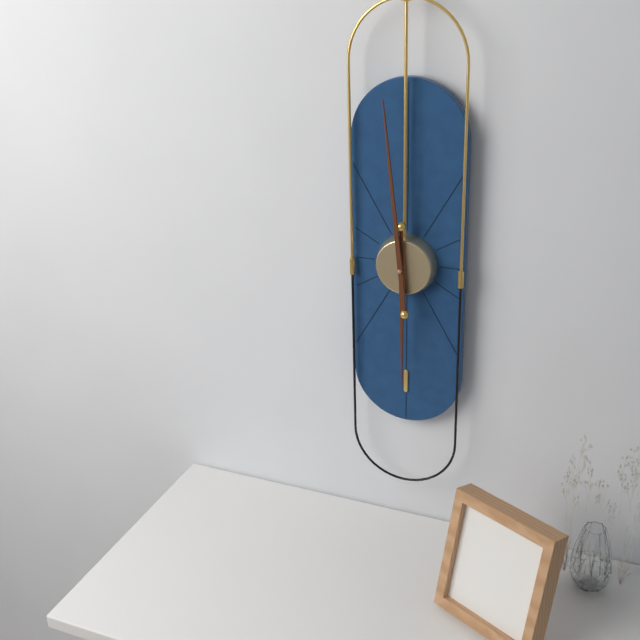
5:59
